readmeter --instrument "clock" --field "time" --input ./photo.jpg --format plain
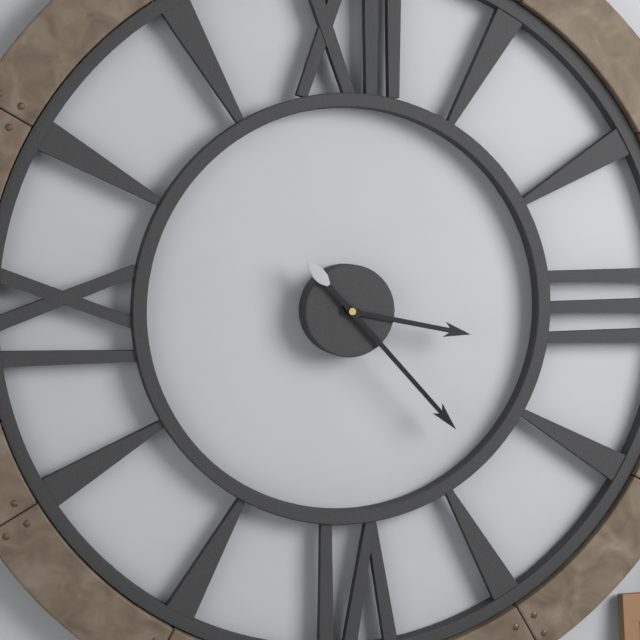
3:23
